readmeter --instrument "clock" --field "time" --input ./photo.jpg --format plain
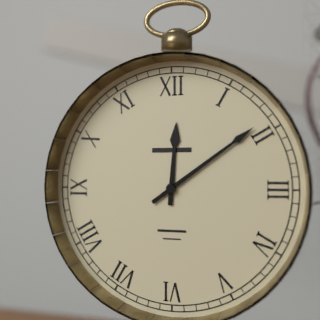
12:09
